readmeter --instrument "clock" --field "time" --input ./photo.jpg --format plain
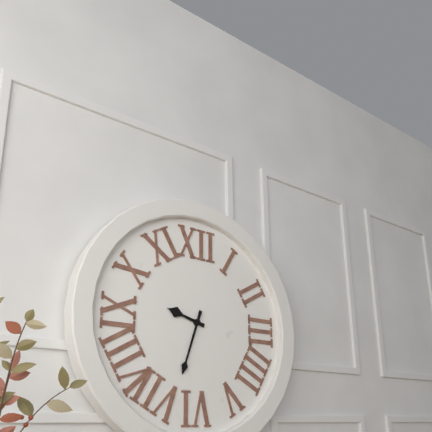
9:33
